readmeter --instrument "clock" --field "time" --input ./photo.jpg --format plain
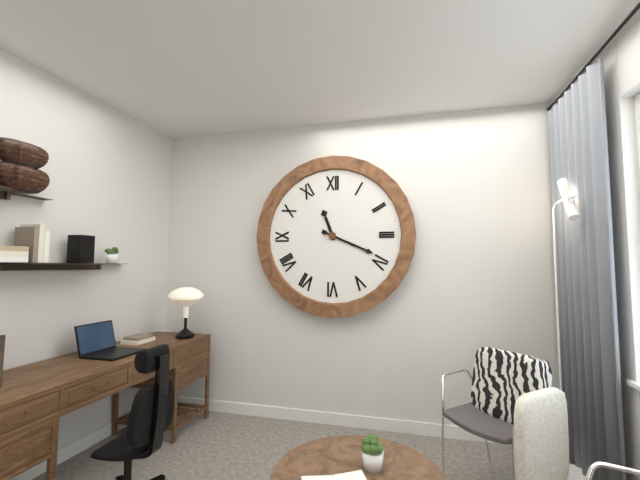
11:19
